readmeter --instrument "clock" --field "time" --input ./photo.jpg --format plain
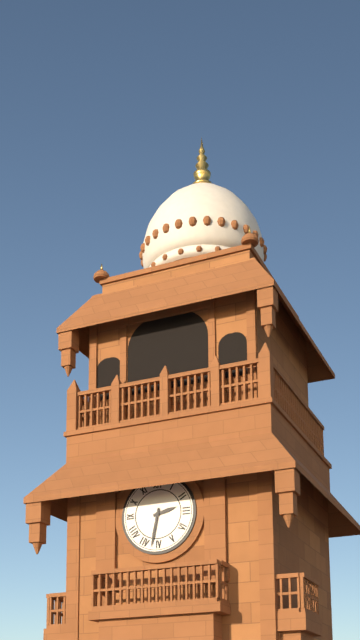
2:32
